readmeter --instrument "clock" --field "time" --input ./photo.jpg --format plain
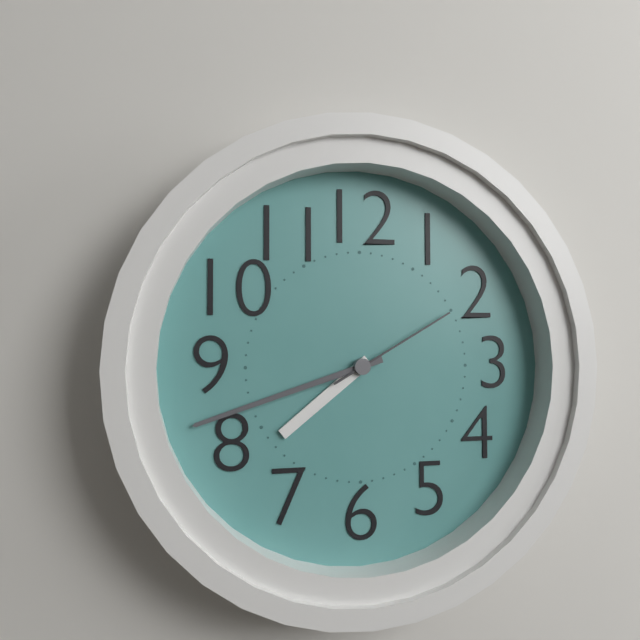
7:42:10
